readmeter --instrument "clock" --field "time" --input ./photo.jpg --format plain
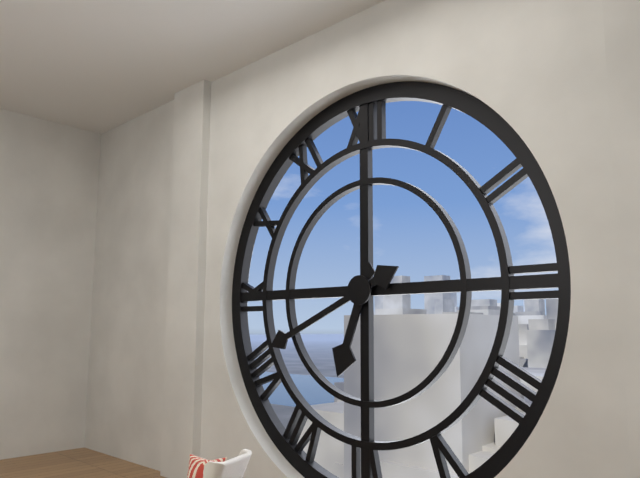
6:41
